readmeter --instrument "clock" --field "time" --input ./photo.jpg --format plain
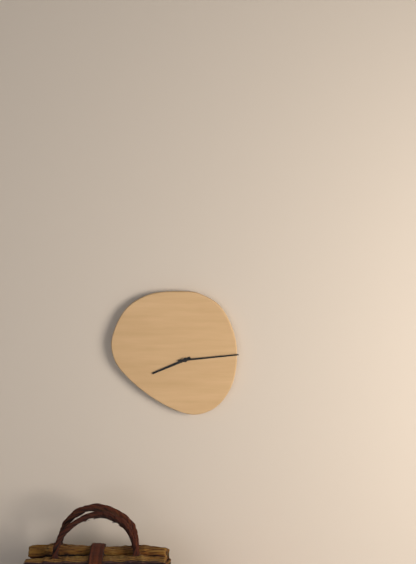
8:14
